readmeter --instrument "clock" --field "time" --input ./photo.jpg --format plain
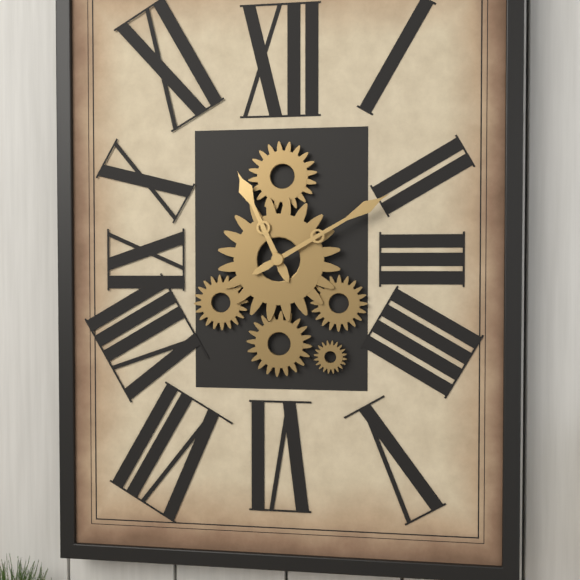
11:10
